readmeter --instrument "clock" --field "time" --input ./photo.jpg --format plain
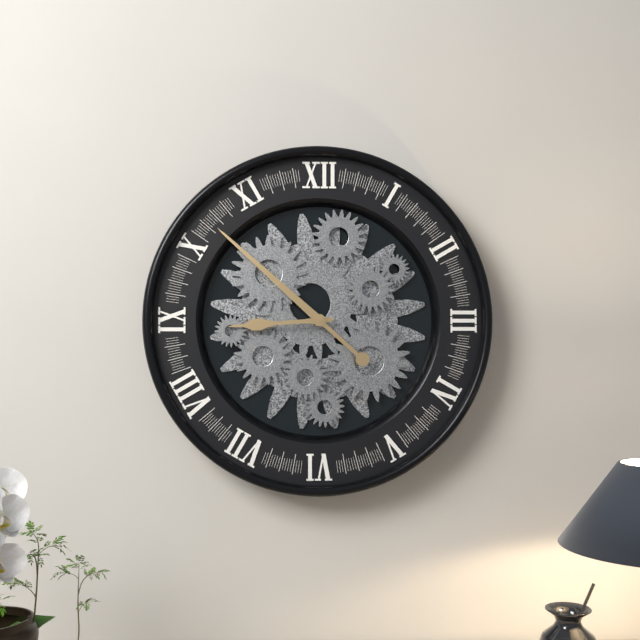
8:52
